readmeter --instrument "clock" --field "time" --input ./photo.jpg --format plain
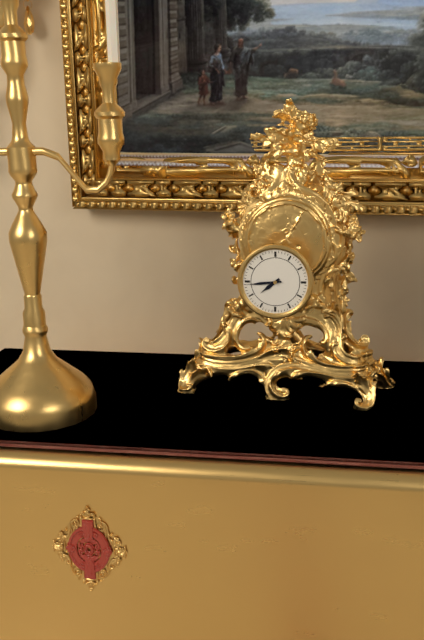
7:44
